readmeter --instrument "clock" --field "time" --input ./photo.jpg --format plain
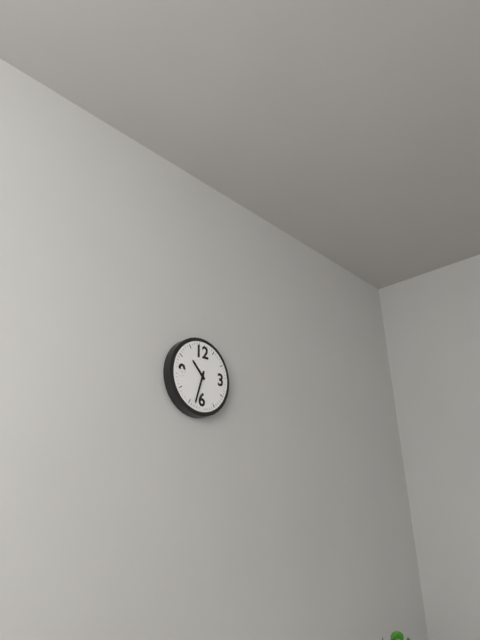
10:33
